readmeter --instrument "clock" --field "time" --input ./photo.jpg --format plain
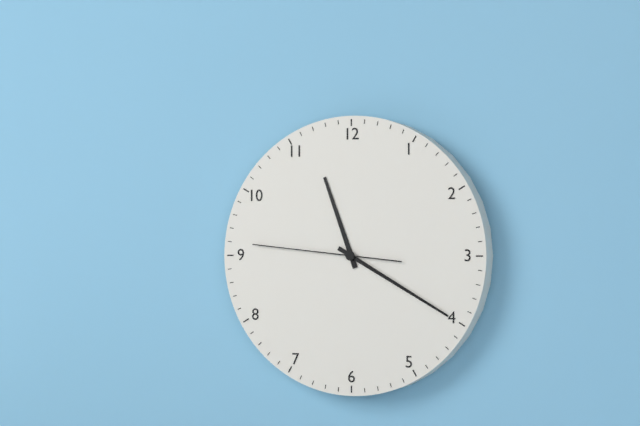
11:20:46
